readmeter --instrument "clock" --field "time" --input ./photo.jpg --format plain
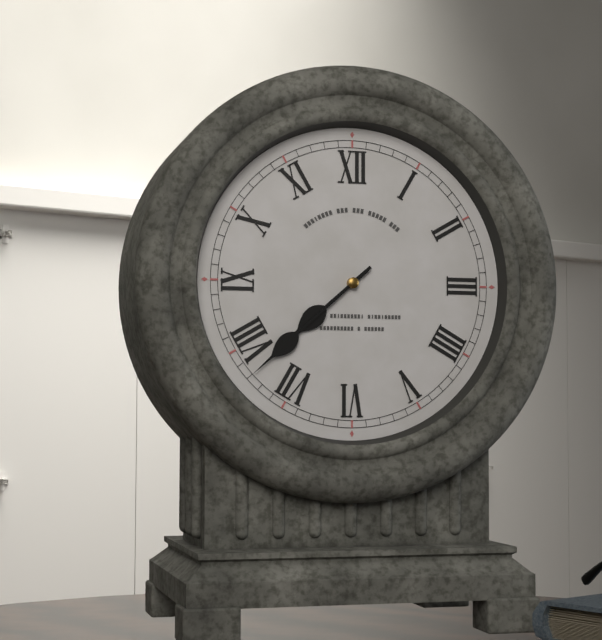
7:38
